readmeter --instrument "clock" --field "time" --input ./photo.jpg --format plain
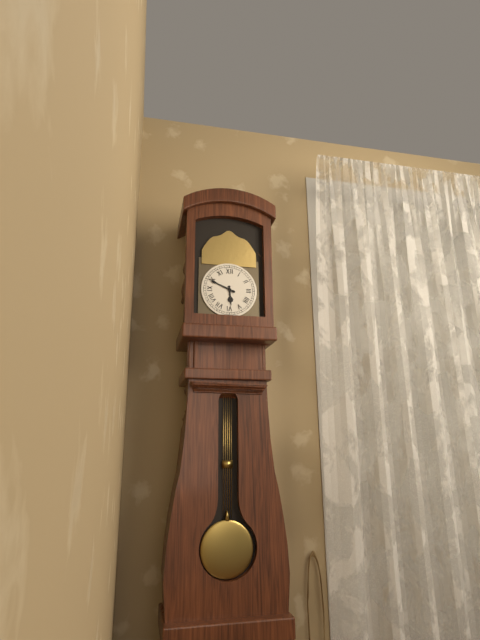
5:49
